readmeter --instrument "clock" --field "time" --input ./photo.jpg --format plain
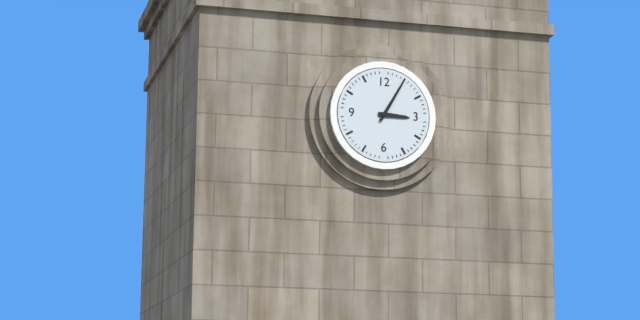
3:05
